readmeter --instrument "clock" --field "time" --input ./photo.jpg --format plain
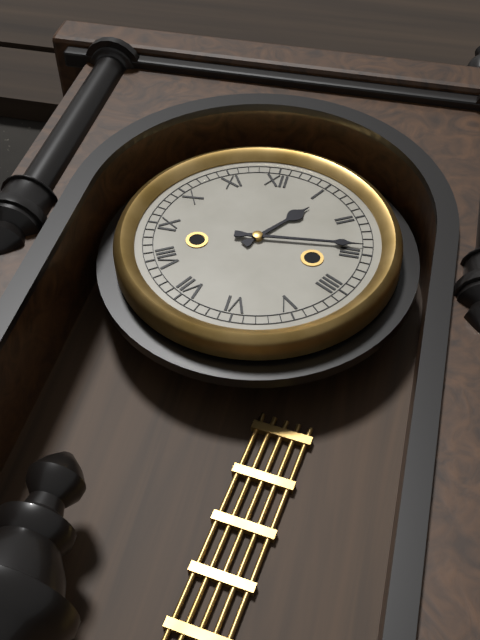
1:14
